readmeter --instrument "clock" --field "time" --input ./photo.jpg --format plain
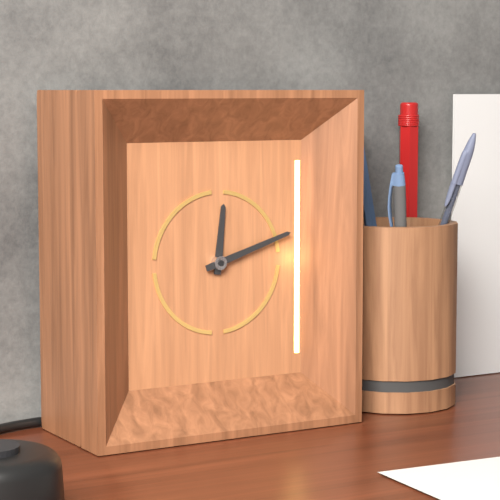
12:12
